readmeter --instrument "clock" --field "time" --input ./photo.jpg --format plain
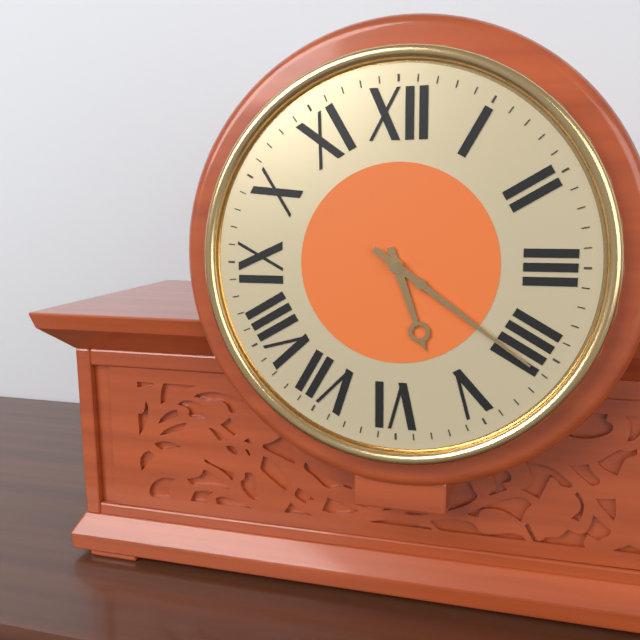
5:21
